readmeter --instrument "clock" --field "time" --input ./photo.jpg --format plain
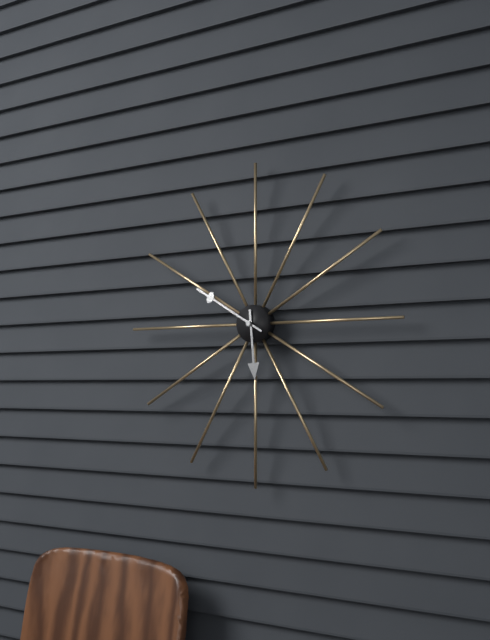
5:50
